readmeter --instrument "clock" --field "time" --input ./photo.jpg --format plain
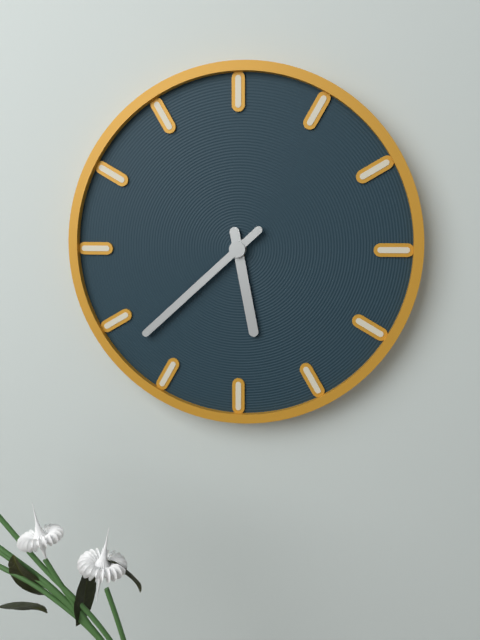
5:38
